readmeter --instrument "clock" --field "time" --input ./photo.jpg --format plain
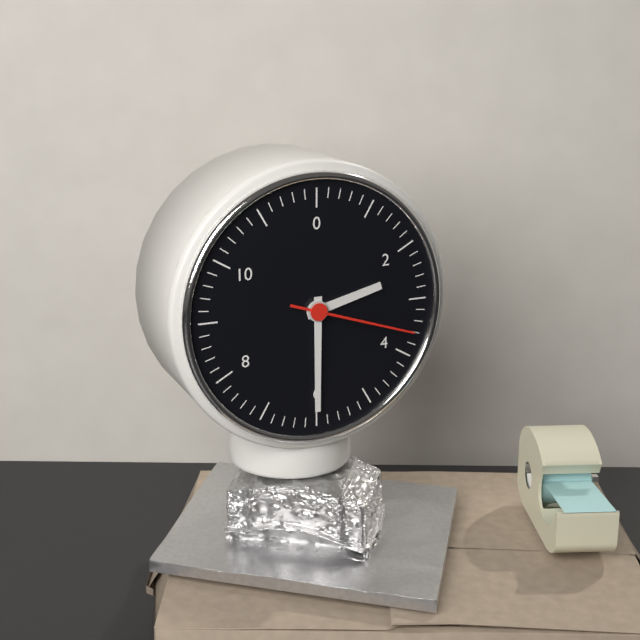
2:30:18
